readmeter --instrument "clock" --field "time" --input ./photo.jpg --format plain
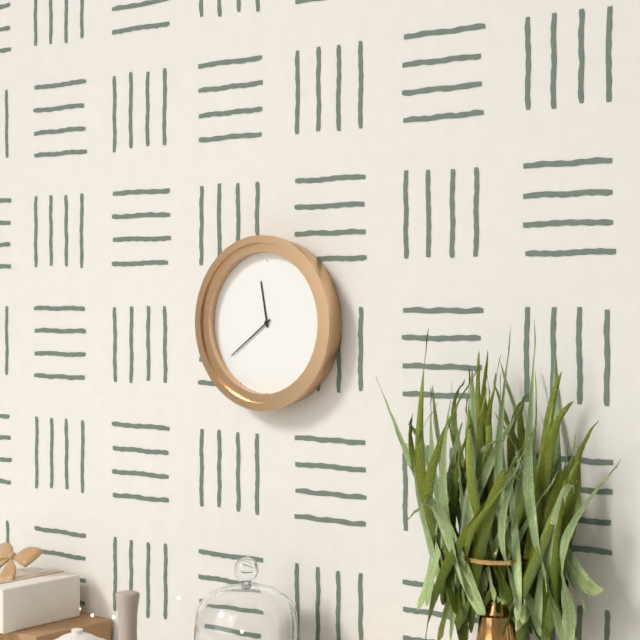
11:39
